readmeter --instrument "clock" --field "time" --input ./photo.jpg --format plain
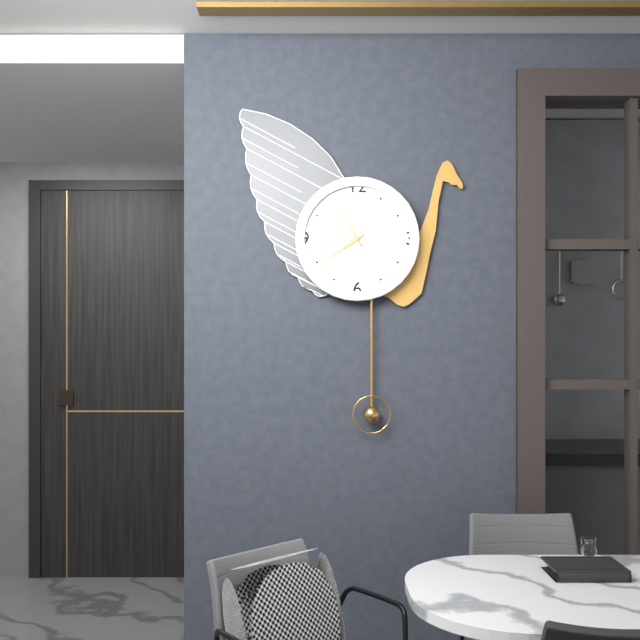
7:55
